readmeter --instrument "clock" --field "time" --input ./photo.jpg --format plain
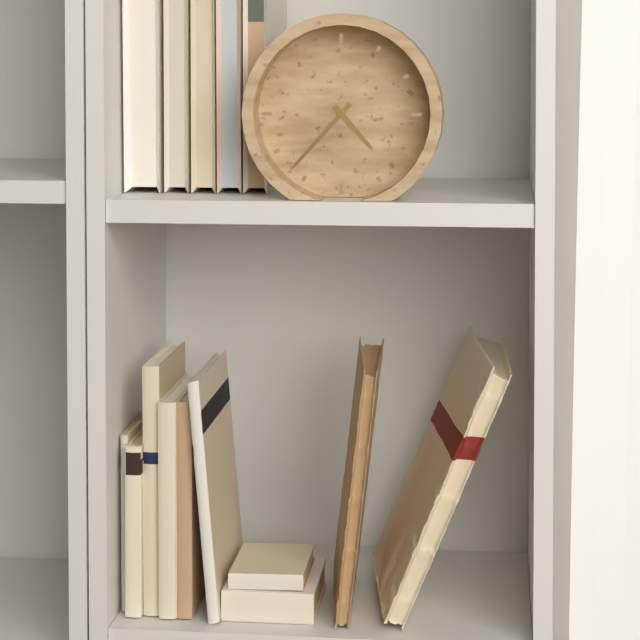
4:37
